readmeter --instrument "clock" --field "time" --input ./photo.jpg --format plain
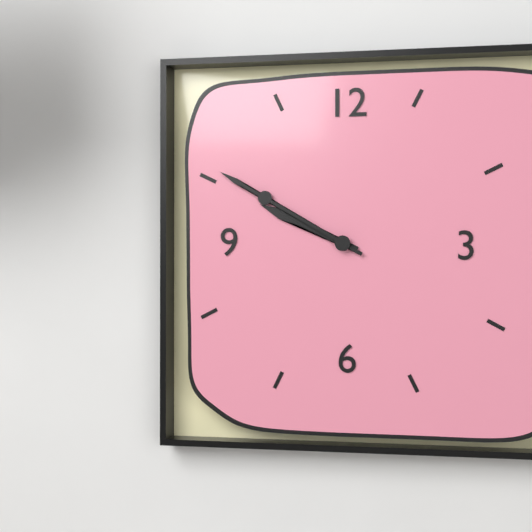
9:50
